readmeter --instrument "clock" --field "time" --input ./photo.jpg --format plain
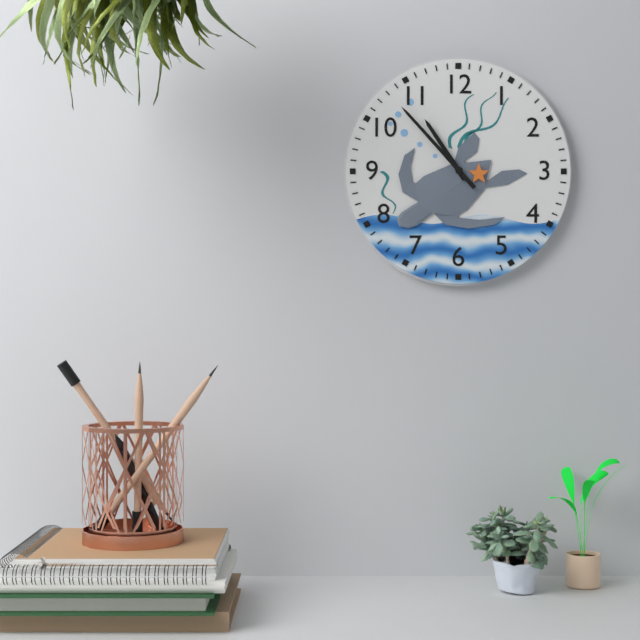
10:53
